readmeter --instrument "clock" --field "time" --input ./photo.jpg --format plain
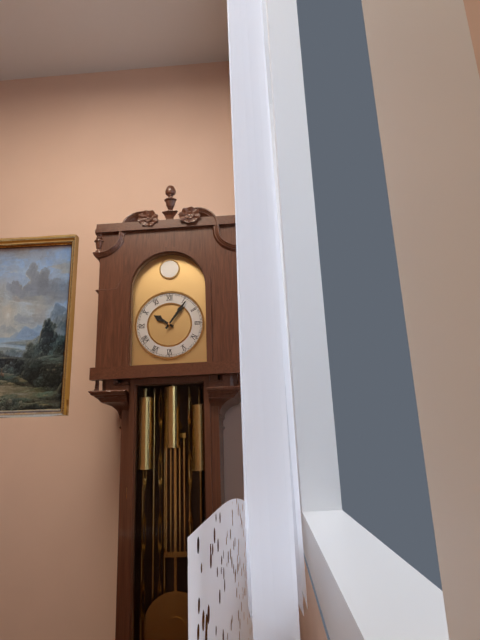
10:06
